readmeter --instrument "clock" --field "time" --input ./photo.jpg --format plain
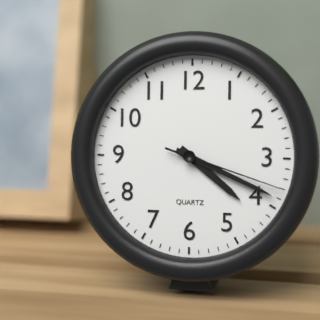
4:19:18
